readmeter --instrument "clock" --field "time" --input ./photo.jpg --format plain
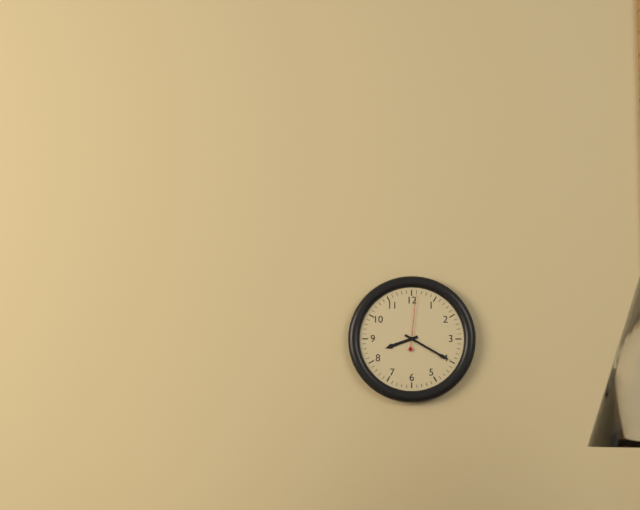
8:20:01
